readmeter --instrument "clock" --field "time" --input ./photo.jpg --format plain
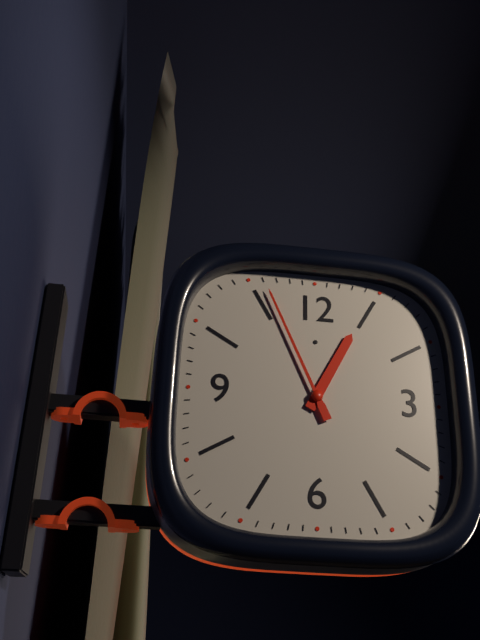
12:56
